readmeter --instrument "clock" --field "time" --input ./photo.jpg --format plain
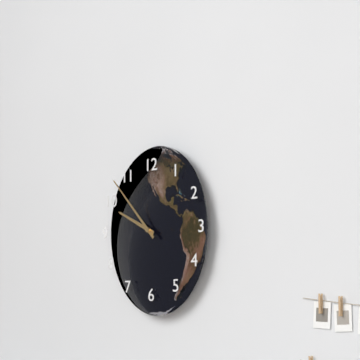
9:53
